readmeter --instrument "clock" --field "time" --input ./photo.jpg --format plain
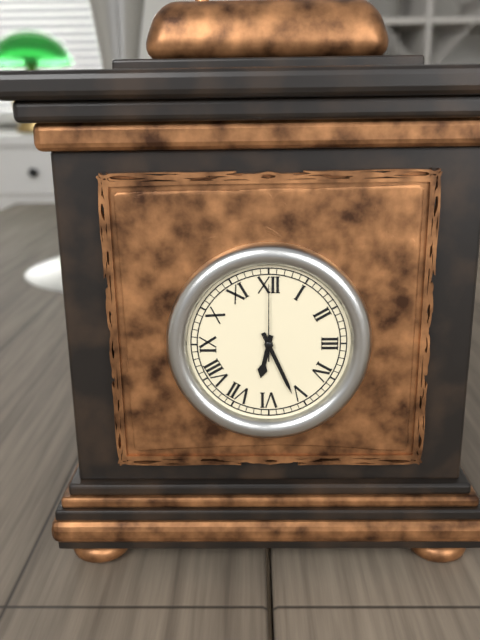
6:26:00
